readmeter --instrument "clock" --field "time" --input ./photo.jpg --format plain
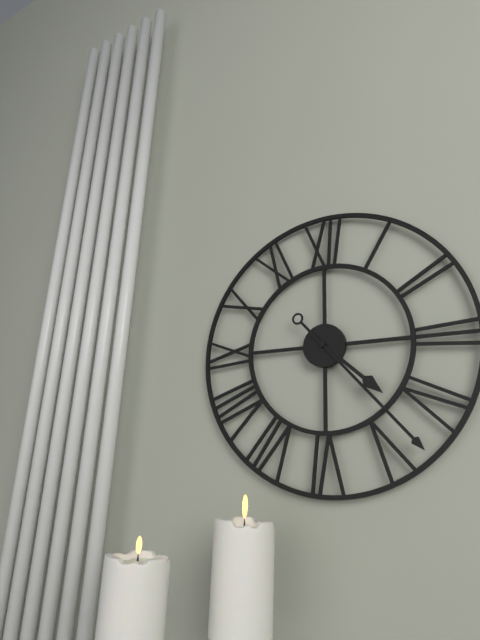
4:23
